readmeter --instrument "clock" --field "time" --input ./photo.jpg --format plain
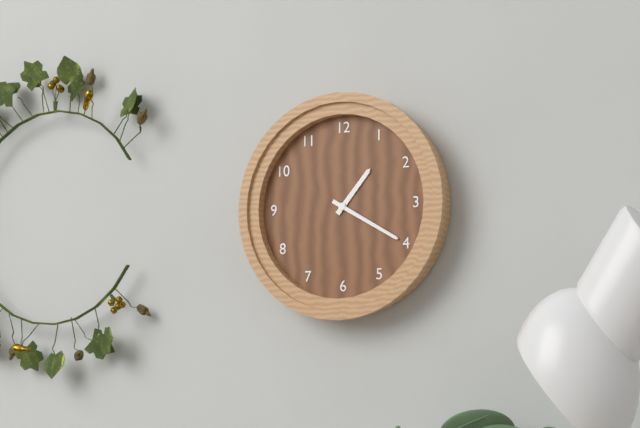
1:20
